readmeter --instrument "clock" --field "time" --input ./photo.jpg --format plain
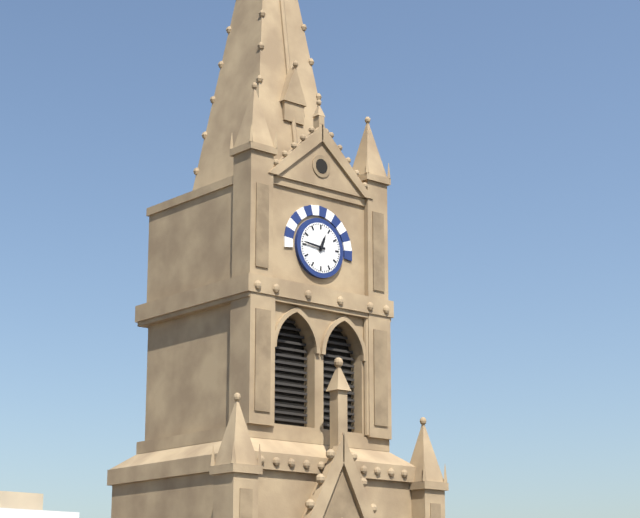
12:46
